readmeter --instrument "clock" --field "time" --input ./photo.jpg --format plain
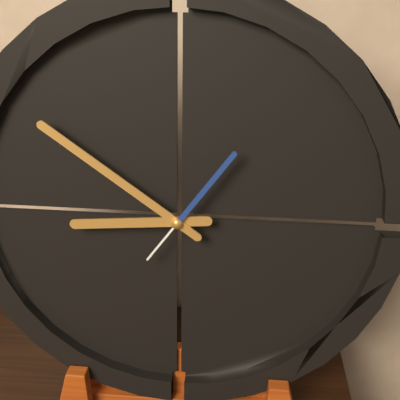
8:51:06
